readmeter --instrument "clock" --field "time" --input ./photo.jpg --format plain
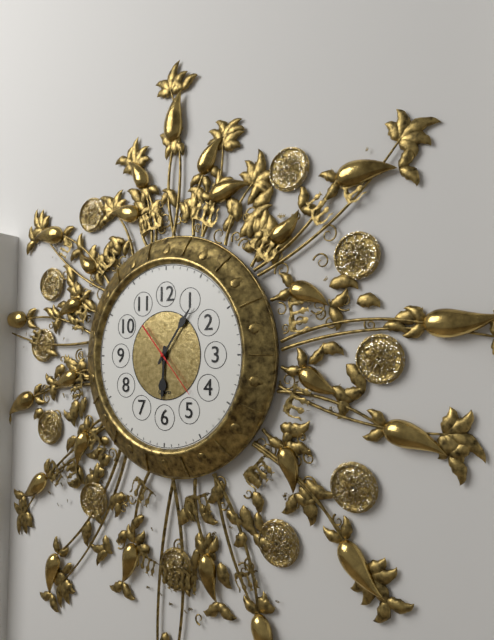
6:06:23
